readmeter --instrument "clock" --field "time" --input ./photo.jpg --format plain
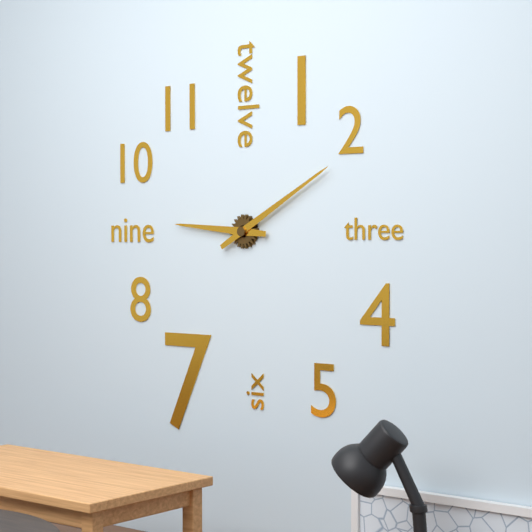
9:10
